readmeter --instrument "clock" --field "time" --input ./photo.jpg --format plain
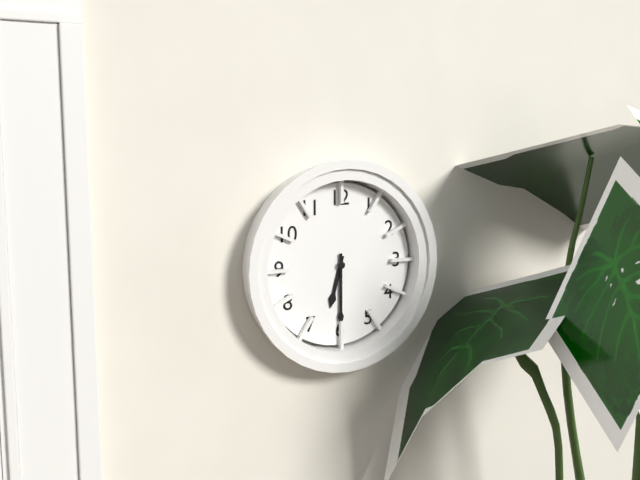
6:30
